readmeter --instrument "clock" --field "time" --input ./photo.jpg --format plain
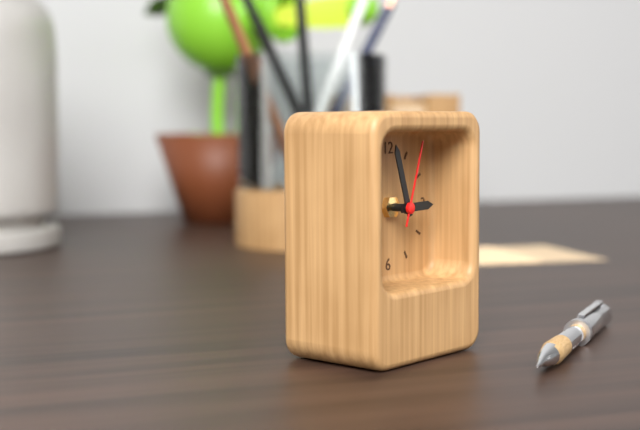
2:57:03
